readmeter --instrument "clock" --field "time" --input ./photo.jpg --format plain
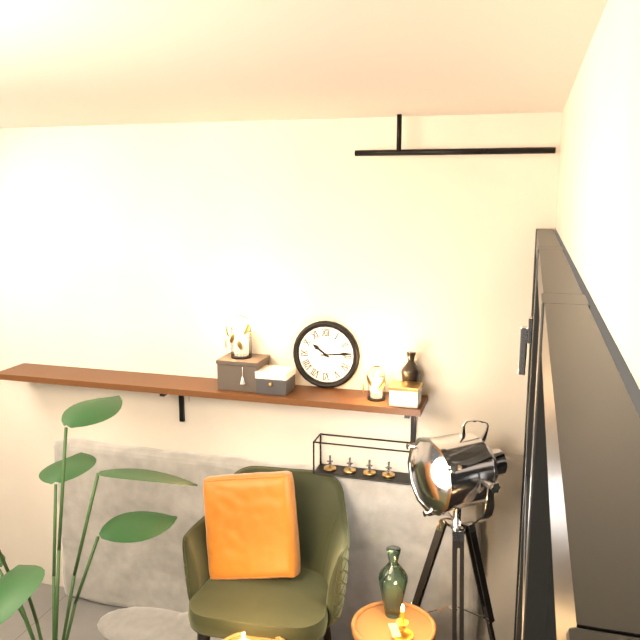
10:14
